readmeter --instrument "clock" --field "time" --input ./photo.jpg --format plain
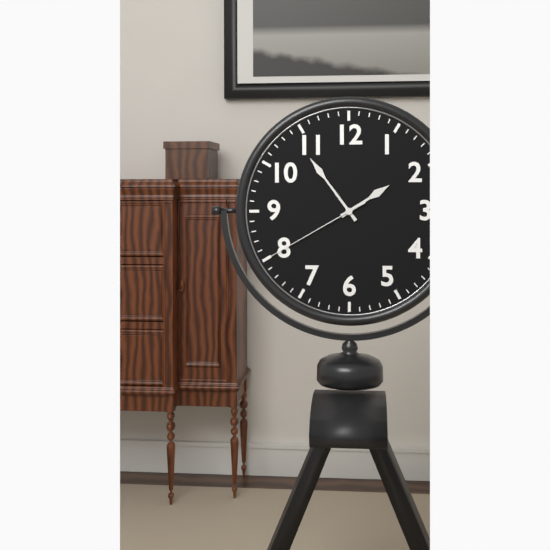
1:54:40
